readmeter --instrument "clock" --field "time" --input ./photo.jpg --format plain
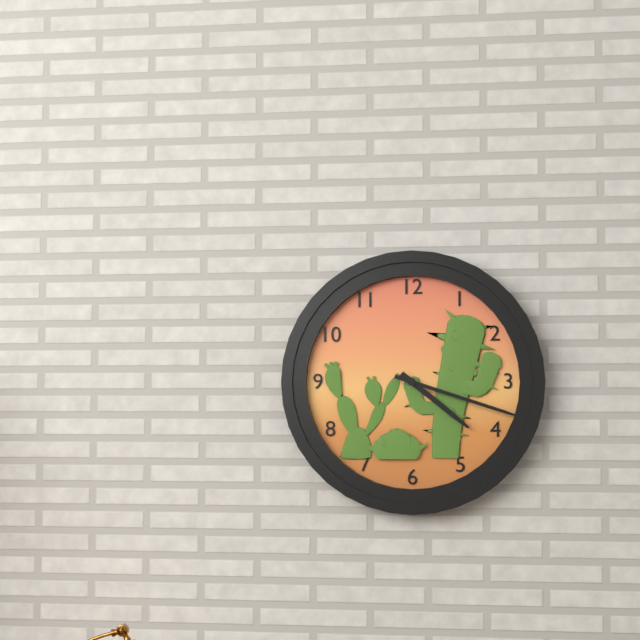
4:18
